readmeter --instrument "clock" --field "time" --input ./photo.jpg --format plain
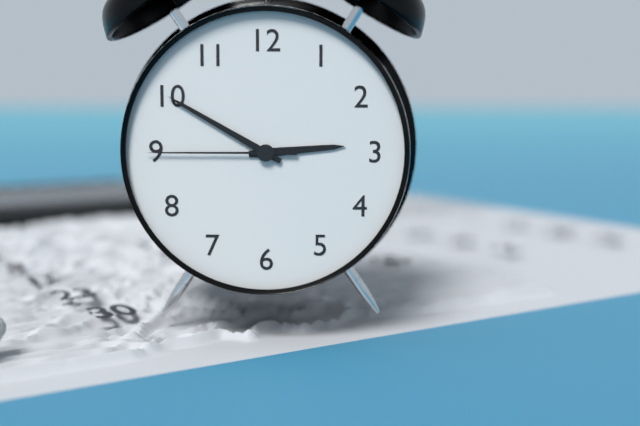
2:50:45
